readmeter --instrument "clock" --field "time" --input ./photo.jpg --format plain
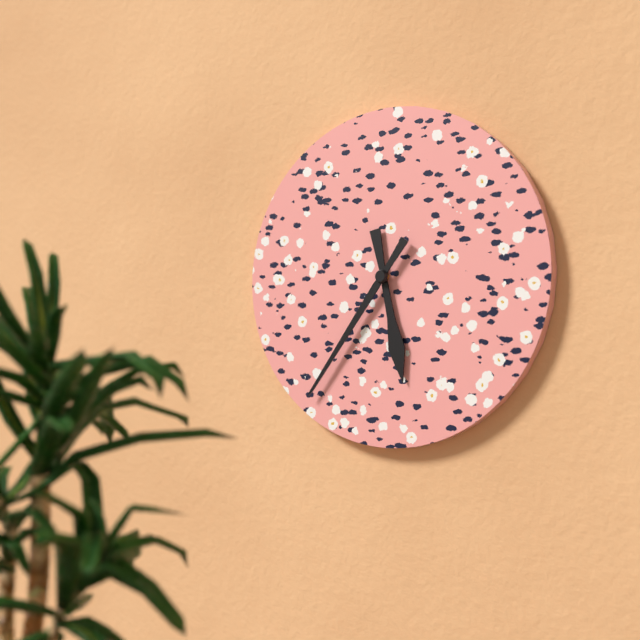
5:36
